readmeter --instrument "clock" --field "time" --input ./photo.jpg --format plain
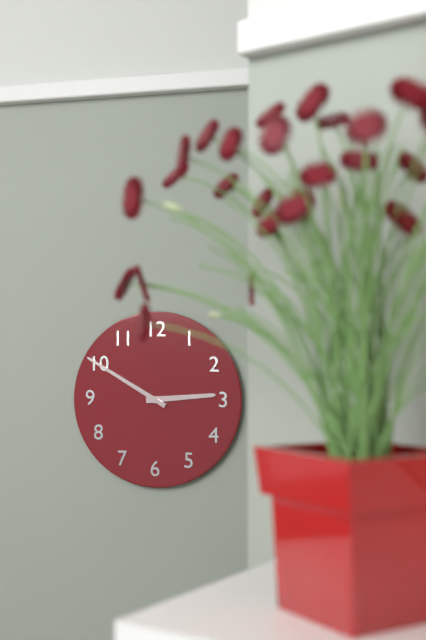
2:50
